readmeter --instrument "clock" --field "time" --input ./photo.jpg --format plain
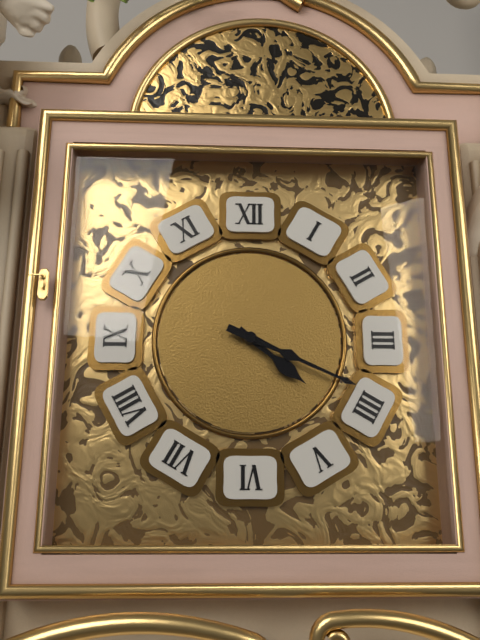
4:19
